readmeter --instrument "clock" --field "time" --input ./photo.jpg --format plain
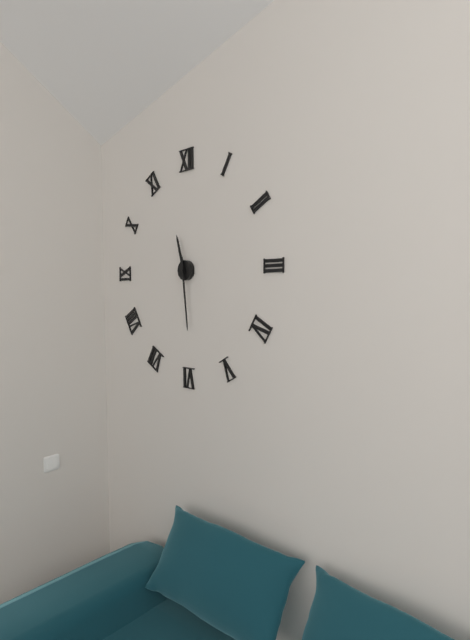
11:29
